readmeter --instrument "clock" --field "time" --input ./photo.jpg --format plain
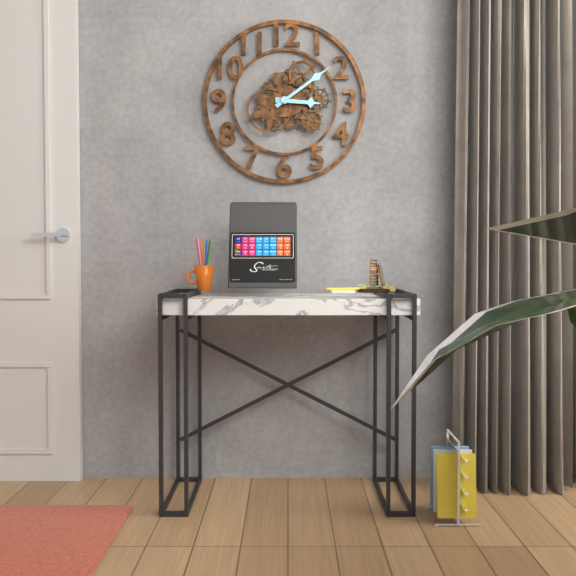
3:09
